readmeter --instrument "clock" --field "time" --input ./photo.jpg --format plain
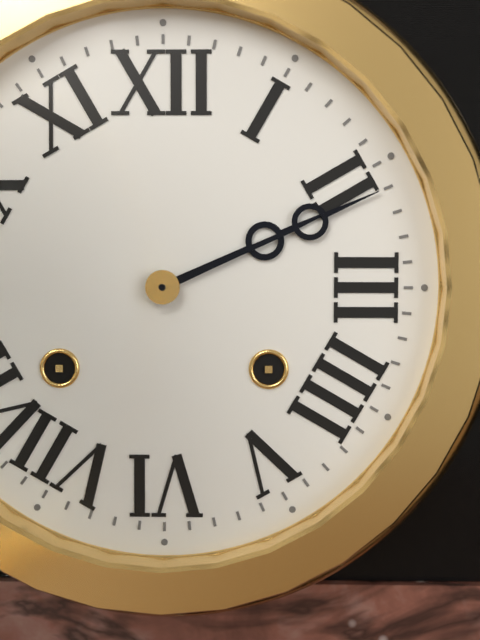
2:11
